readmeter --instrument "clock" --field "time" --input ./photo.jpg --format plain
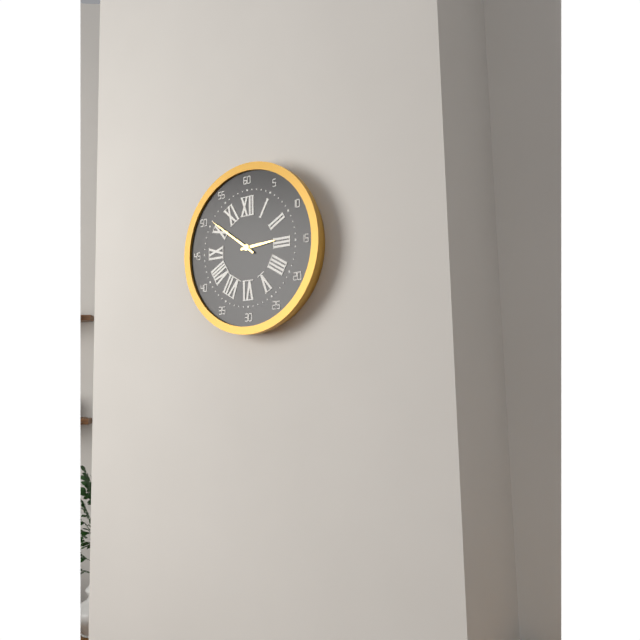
2:51
